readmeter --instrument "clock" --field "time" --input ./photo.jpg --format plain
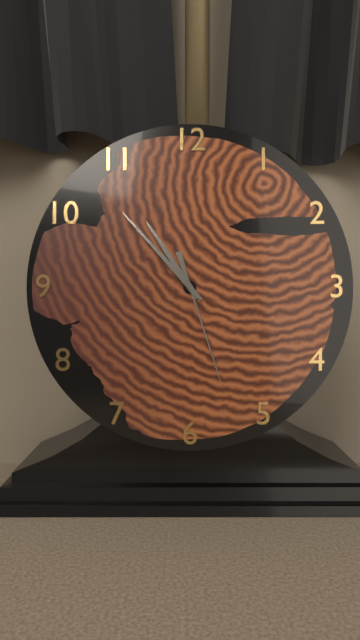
10:53:27
